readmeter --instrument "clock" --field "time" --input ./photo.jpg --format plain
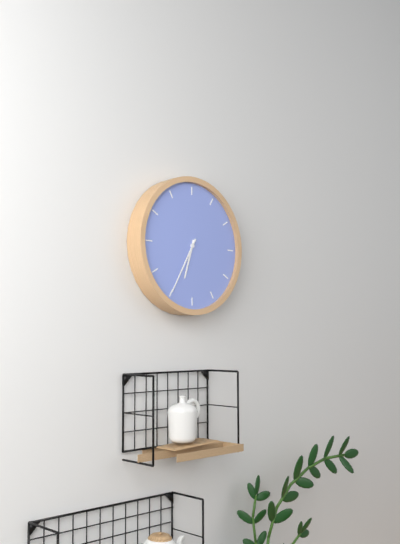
6:35
